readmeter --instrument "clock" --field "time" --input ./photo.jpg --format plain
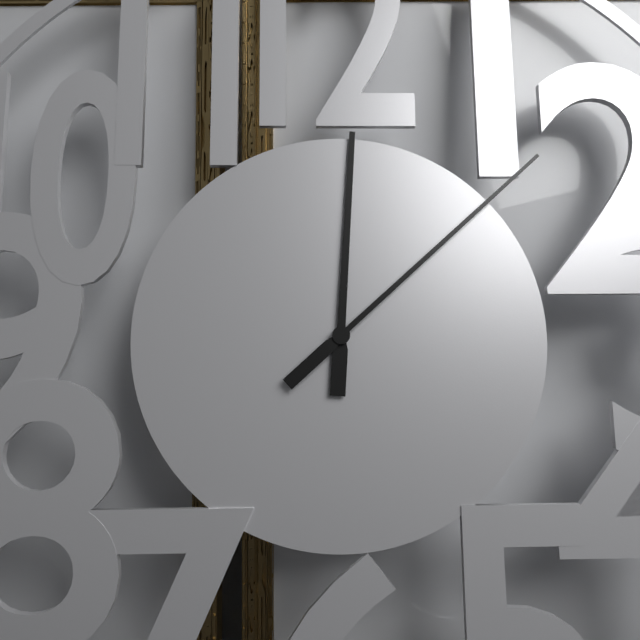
12:08
